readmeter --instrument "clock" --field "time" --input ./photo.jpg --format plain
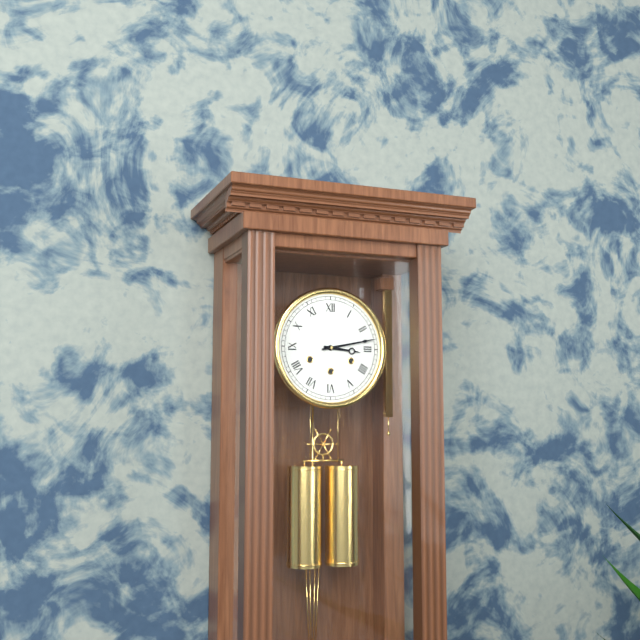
3:13
